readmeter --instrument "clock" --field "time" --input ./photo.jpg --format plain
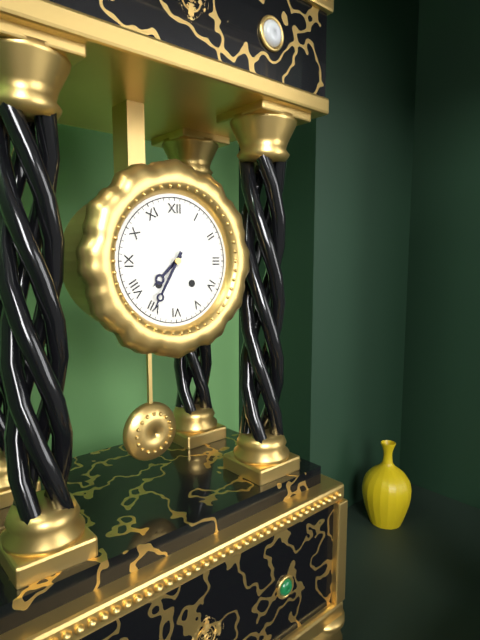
7:35
